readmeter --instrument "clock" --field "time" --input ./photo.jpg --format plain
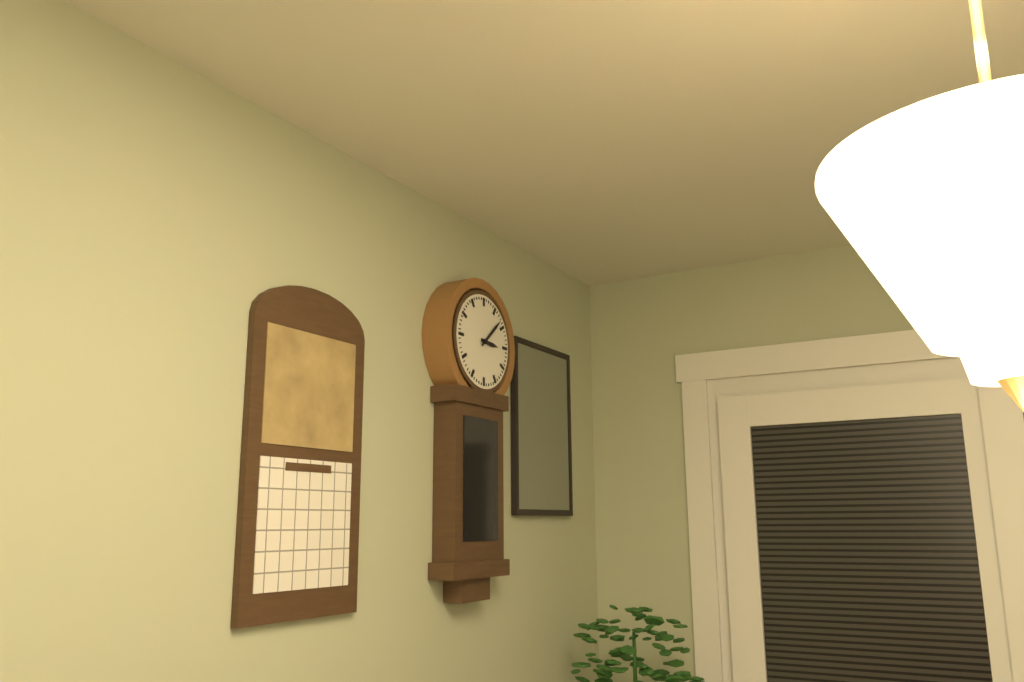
3:08
